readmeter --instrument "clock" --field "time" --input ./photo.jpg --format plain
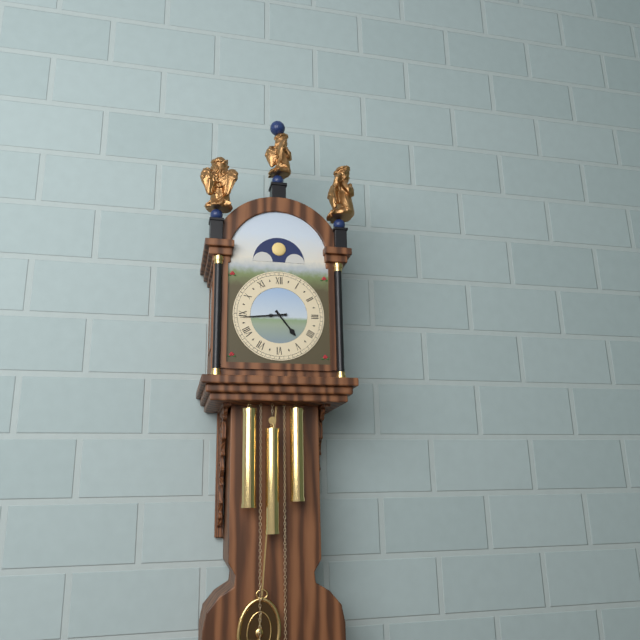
4:44
